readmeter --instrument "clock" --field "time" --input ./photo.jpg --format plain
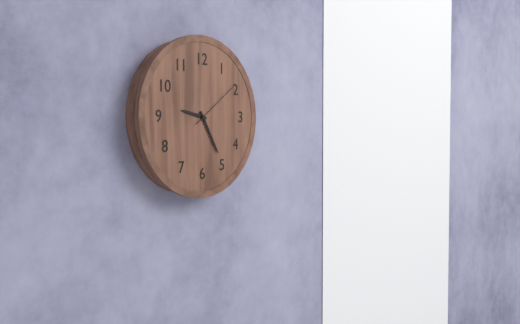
9:25:09
